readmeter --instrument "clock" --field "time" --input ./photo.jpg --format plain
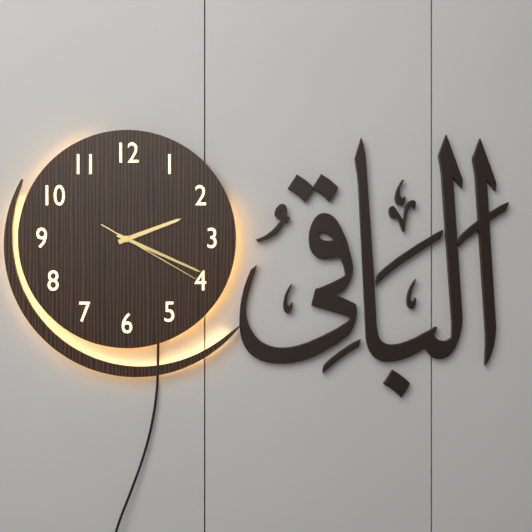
2:19:20
